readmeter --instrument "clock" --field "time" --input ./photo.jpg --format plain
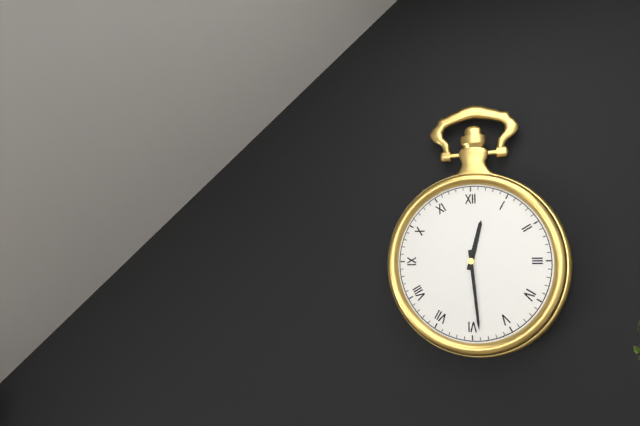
12:29
